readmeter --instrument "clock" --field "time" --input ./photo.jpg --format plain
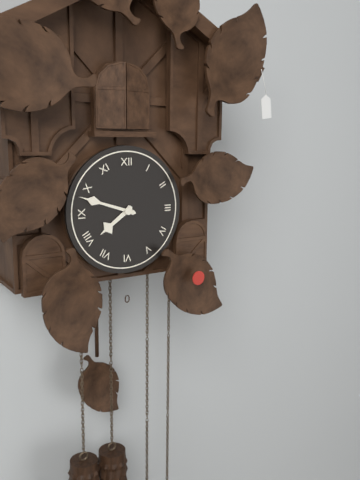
7:48
